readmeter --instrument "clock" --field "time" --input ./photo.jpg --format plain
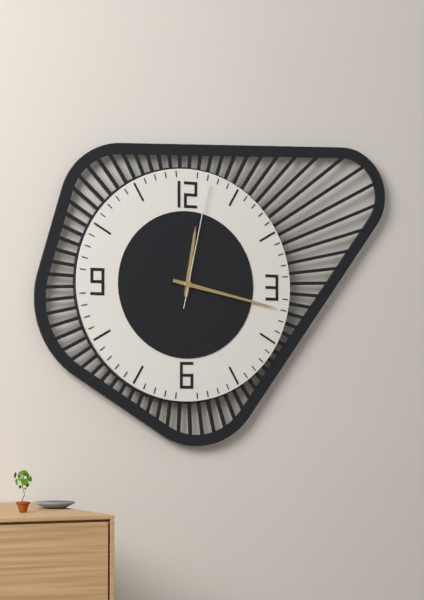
12:17:02
